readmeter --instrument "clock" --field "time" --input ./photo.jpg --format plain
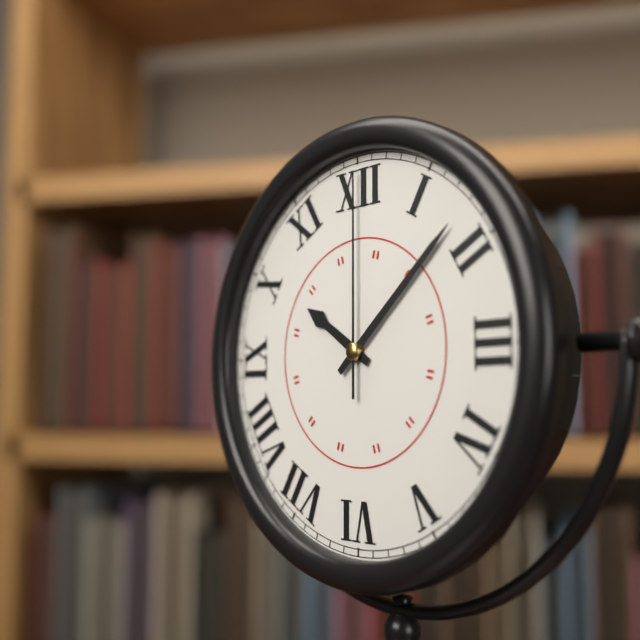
10:08:00
